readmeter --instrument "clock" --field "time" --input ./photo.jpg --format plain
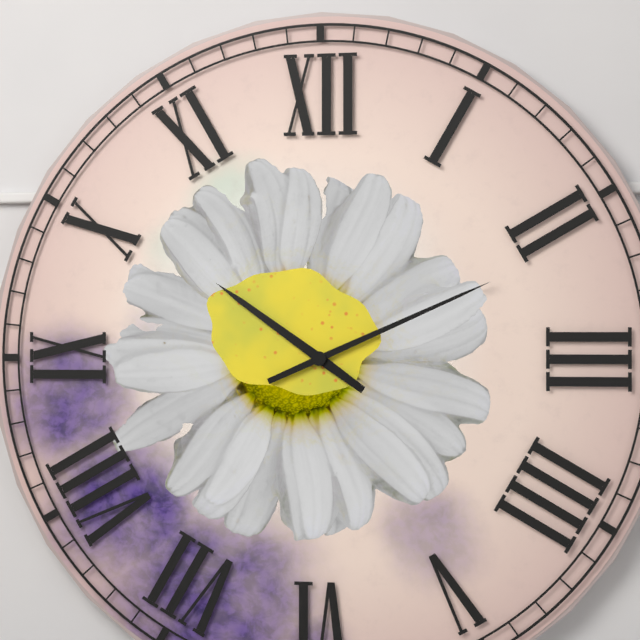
10:11
